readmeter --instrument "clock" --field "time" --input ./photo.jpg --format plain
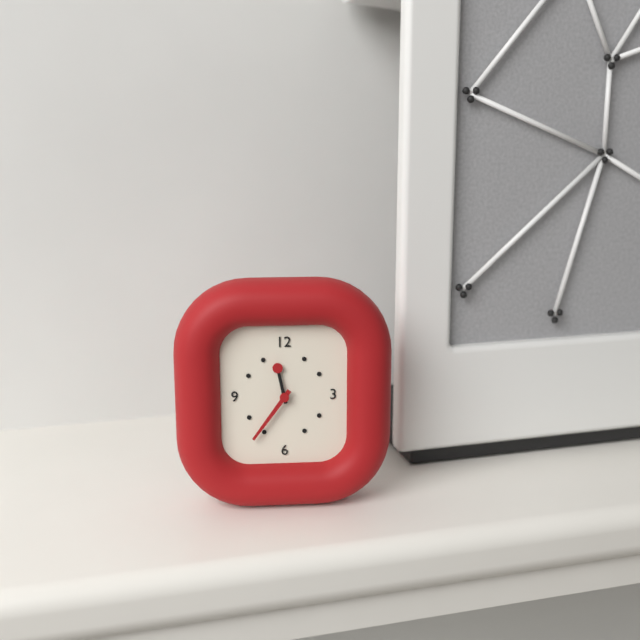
11:36
